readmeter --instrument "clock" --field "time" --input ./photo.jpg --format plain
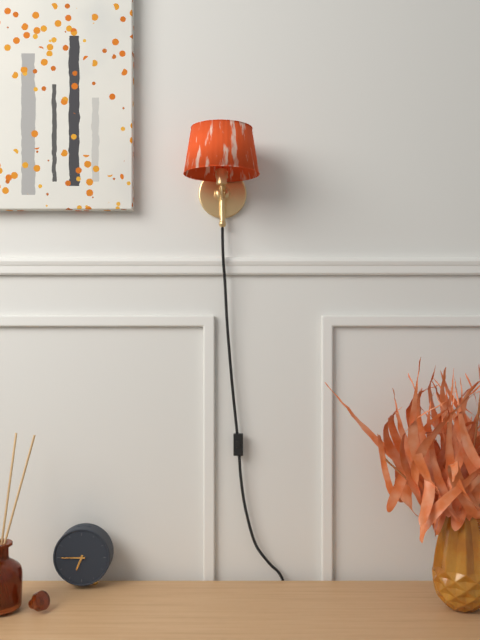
6:45
